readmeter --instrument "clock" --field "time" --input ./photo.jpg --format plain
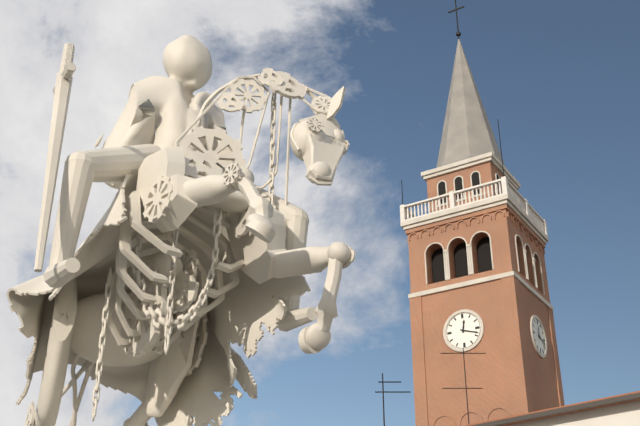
12:18
